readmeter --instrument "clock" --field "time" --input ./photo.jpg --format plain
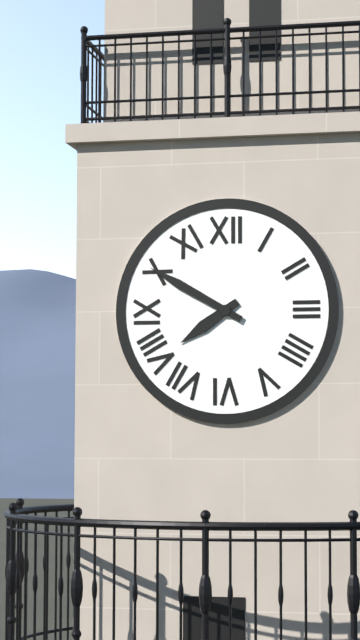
7:50
